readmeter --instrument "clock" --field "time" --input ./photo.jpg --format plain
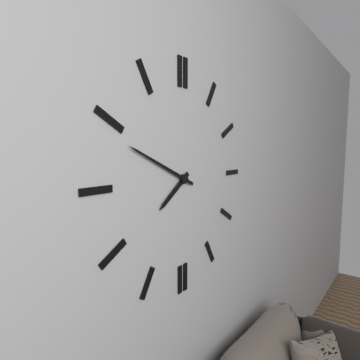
7:49
